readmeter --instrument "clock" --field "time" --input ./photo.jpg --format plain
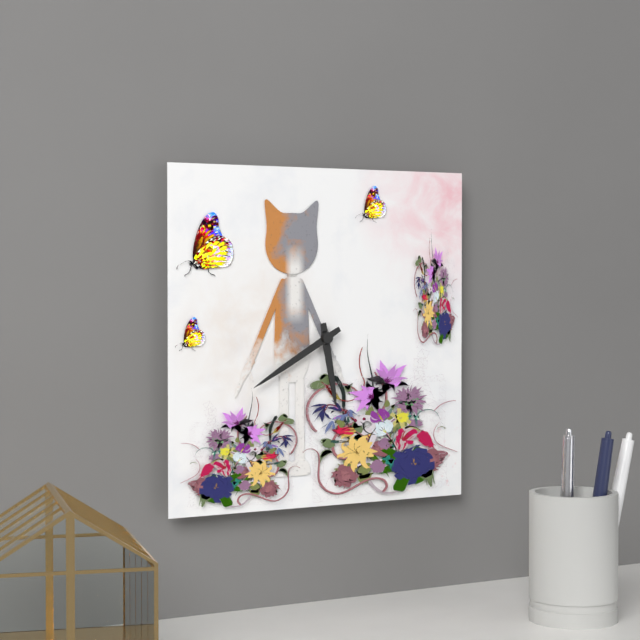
5:40
